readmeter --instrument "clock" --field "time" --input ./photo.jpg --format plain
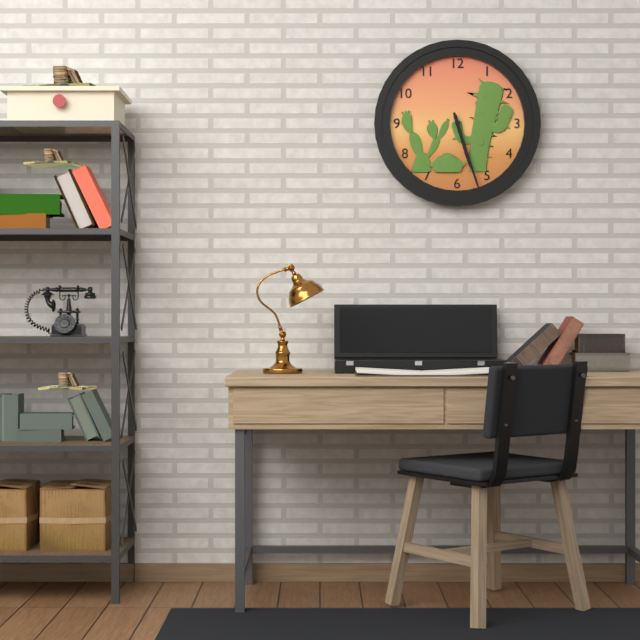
5:27
